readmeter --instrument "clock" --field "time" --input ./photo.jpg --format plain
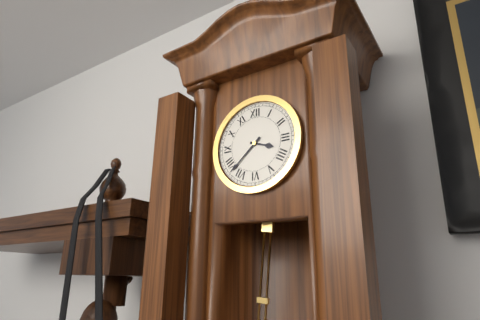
3:38
